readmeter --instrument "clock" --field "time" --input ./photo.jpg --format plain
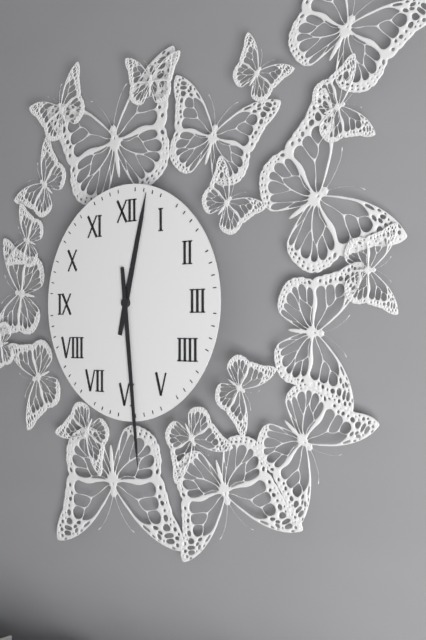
12:29
